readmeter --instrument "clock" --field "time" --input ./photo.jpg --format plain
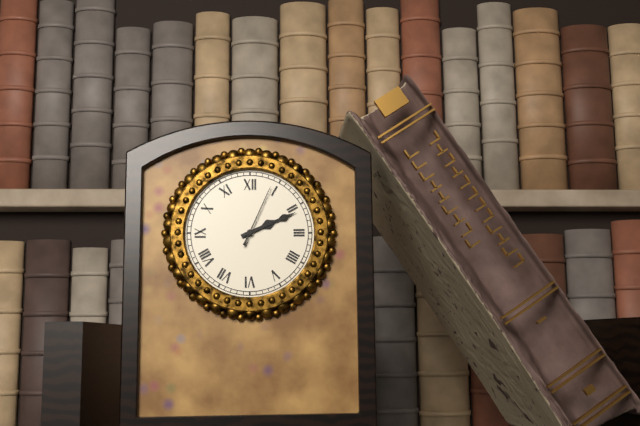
2:11:04
